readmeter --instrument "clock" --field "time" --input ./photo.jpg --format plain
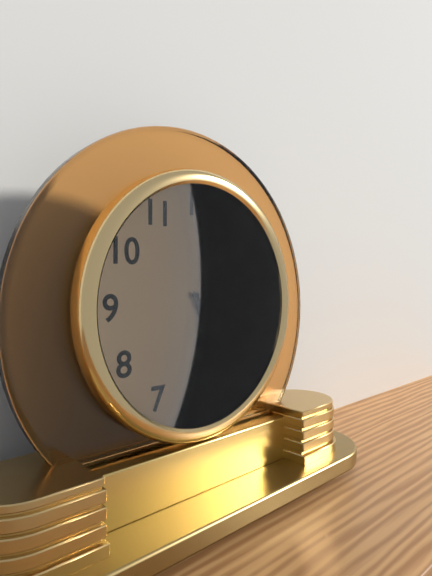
5:24
